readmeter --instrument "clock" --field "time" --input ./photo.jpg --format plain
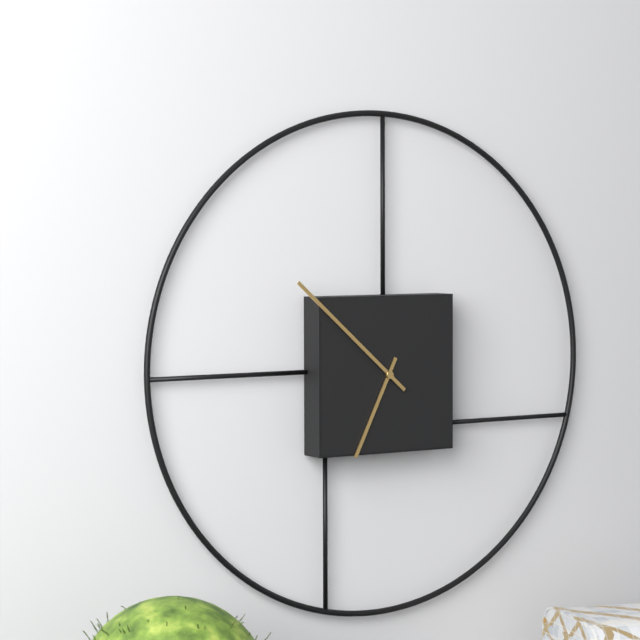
6:52
